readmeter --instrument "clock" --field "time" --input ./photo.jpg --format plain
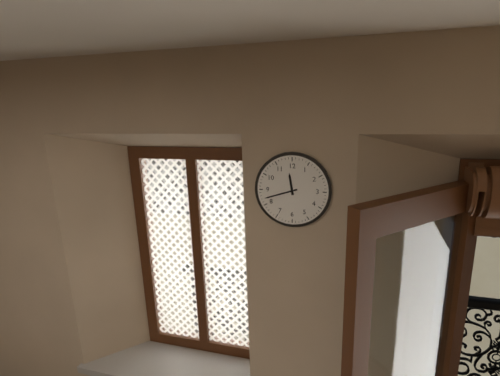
11:42
